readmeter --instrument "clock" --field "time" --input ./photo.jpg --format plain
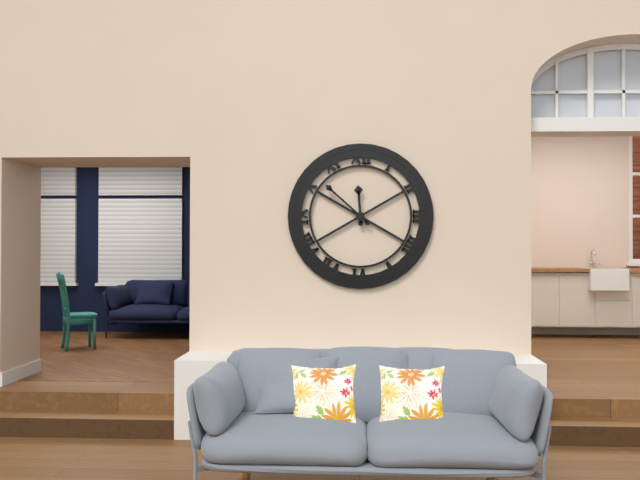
11:52
